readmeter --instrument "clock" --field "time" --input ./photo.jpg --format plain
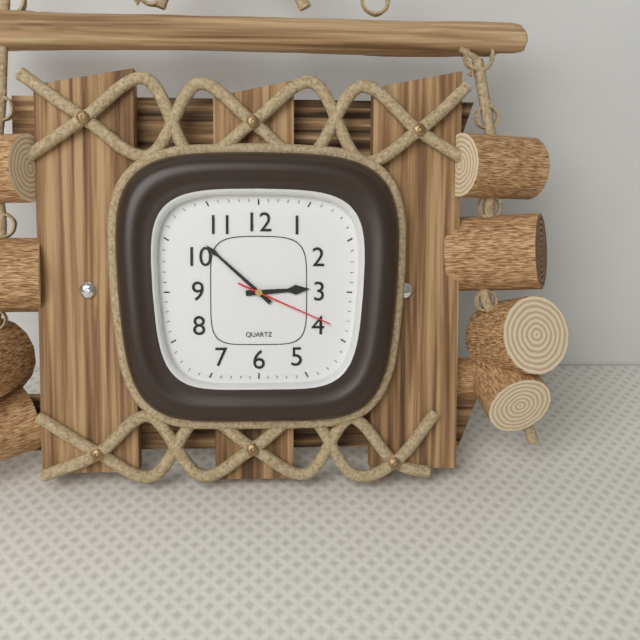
2:52:19
